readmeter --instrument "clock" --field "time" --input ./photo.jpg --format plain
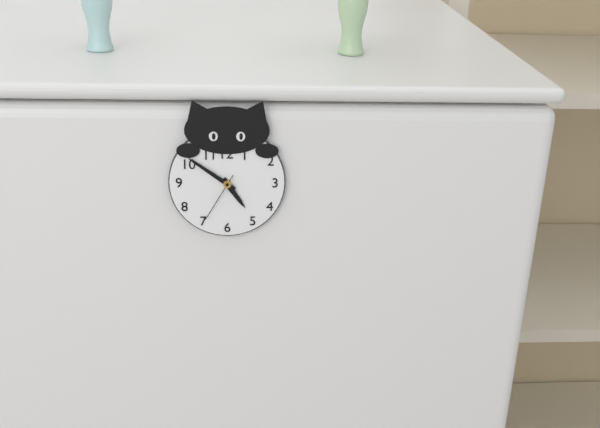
4:51:35
